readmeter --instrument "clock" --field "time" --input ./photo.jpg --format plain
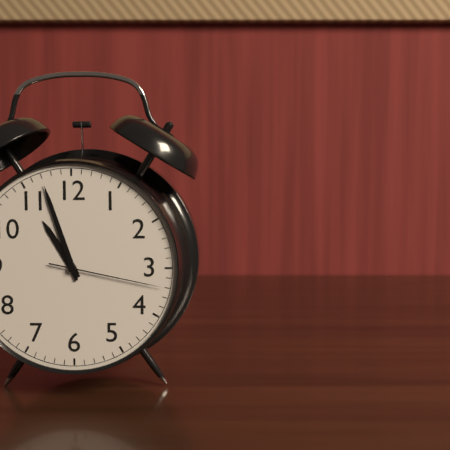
10:57:17
